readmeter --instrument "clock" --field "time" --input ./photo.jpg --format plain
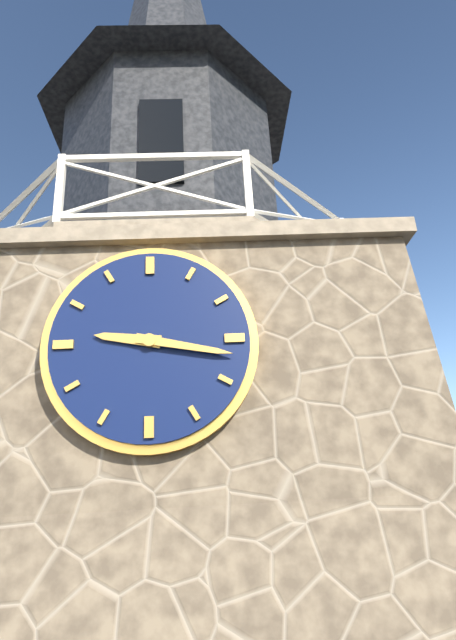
9:17
